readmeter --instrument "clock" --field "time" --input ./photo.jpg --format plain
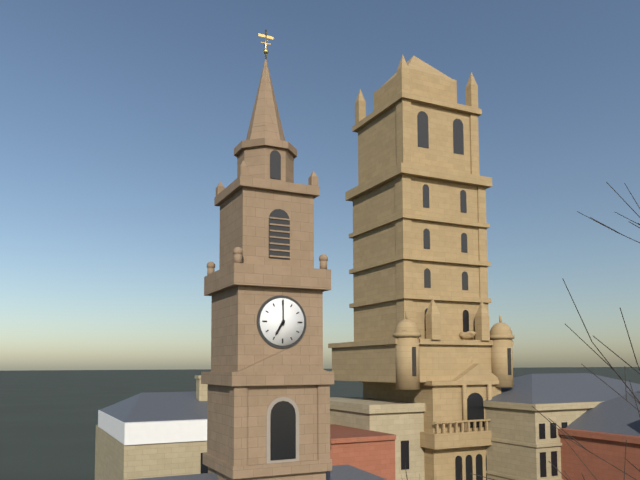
7:00
